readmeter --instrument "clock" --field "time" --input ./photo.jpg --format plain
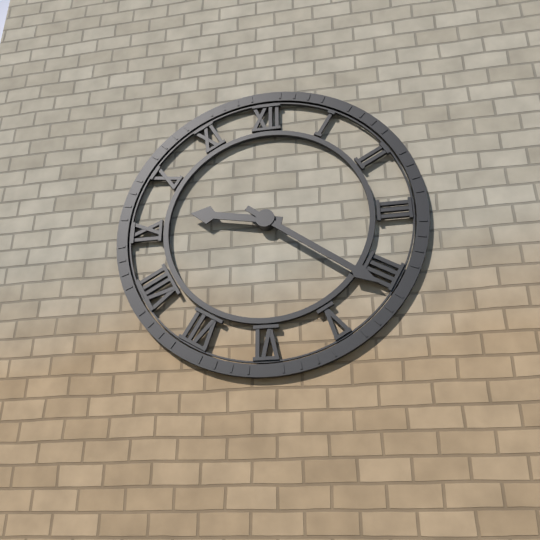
9:21
